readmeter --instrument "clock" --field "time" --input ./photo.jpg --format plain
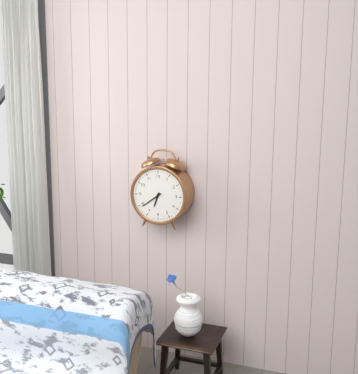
6:39
